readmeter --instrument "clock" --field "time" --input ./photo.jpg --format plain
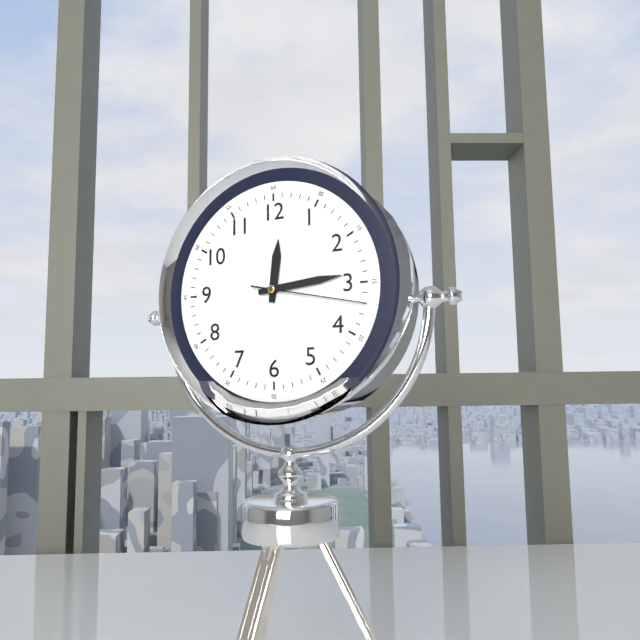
12:14:17
